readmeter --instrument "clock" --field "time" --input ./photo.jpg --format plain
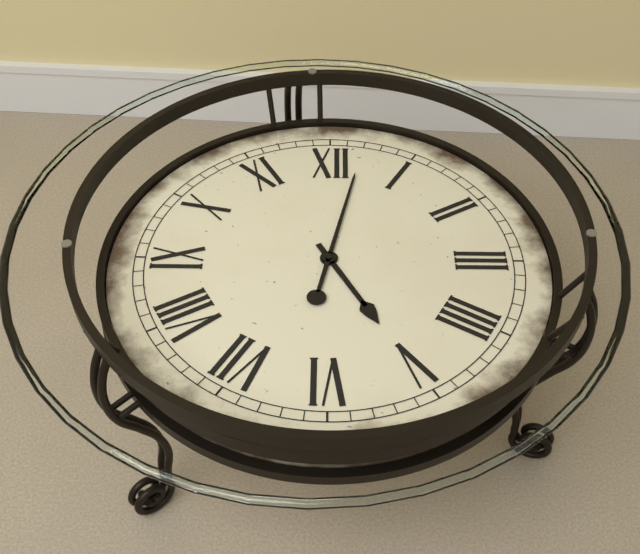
5:02
